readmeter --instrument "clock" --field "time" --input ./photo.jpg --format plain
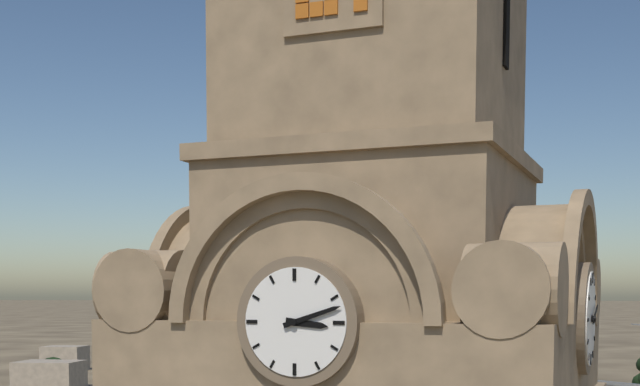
3:12
